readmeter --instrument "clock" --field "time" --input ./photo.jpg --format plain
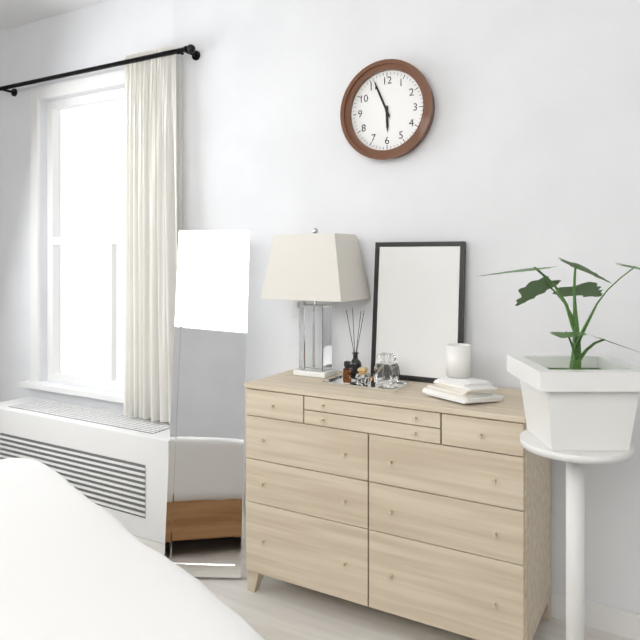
5:56
